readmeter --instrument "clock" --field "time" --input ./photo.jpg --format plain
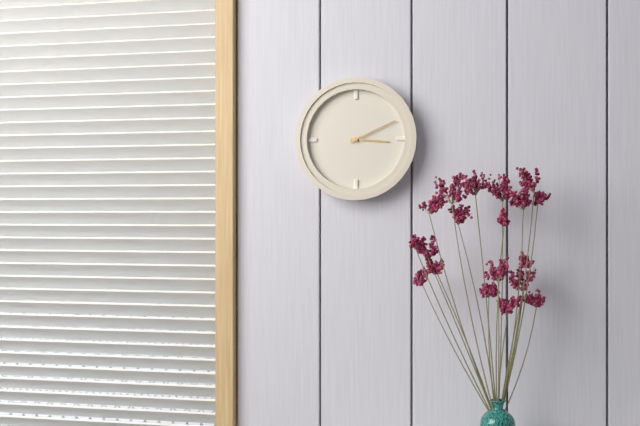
3:11
